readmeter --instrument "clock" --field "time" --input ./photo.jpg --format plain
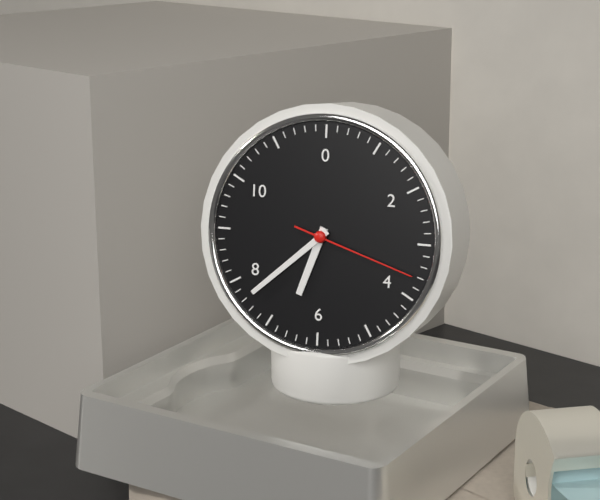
6:38:18
